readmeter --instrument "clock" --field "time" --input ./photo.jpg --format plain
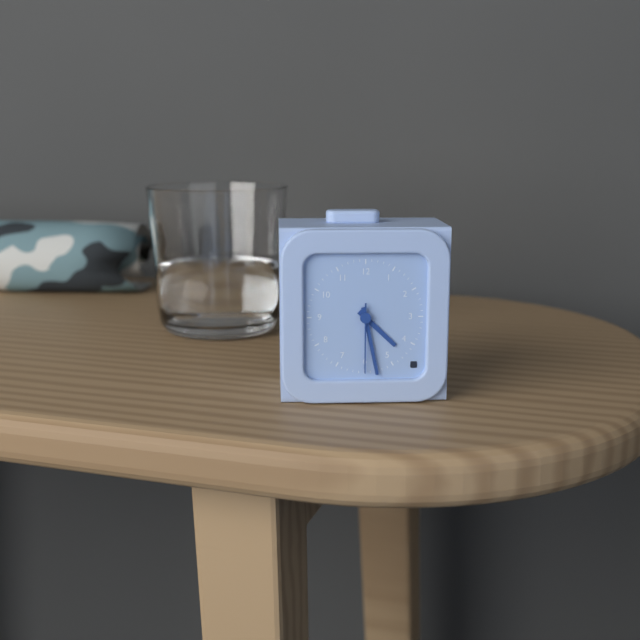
4:28:30
